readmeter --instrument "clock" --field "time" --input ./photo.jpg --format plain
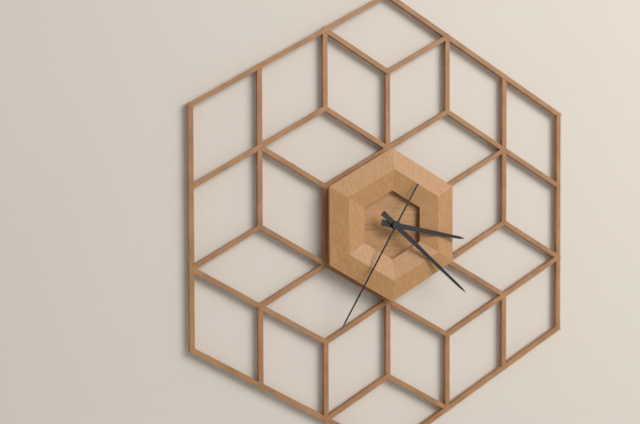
3:22:35
